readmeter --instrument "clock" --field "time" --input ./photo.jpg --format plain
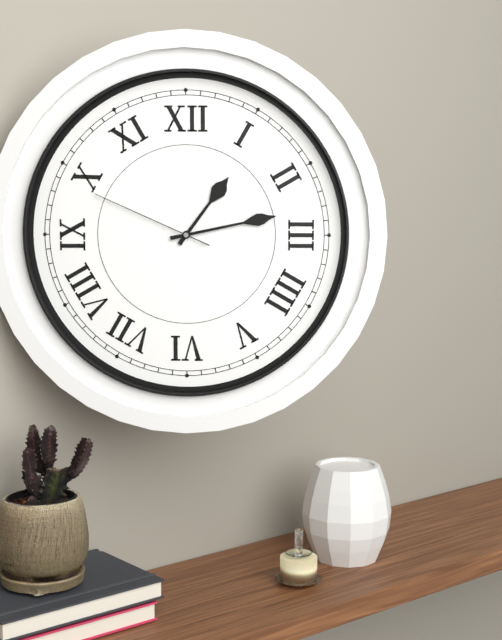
1:13:49
